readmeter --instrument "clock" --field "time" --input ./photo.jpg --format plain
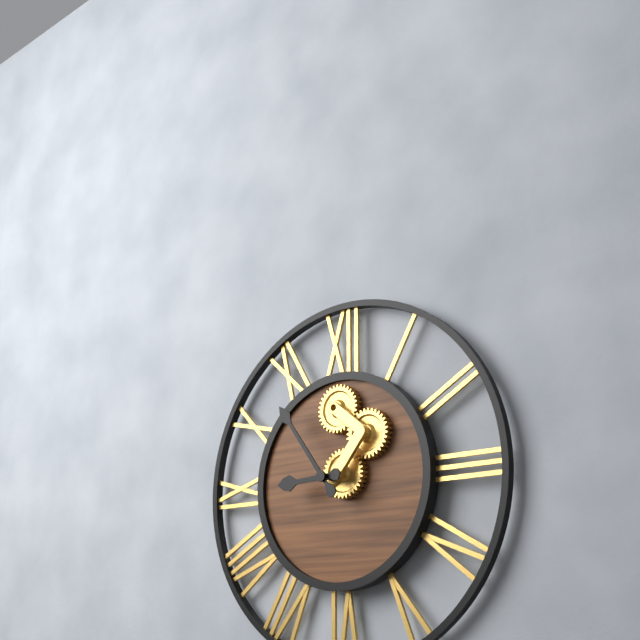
8:54
